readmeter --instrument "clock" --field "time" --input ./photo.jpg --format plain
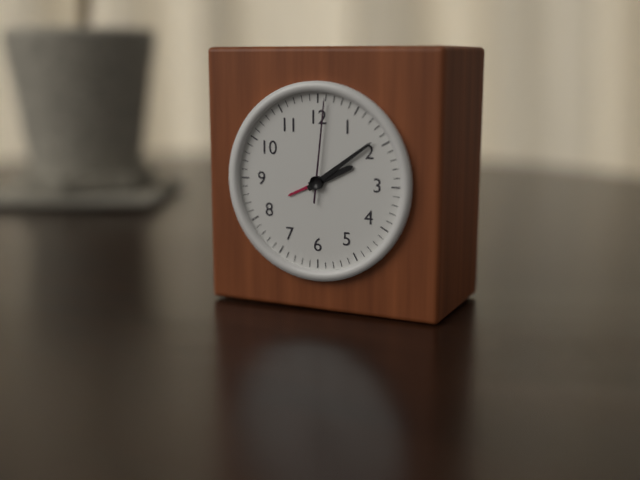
2:09:01
